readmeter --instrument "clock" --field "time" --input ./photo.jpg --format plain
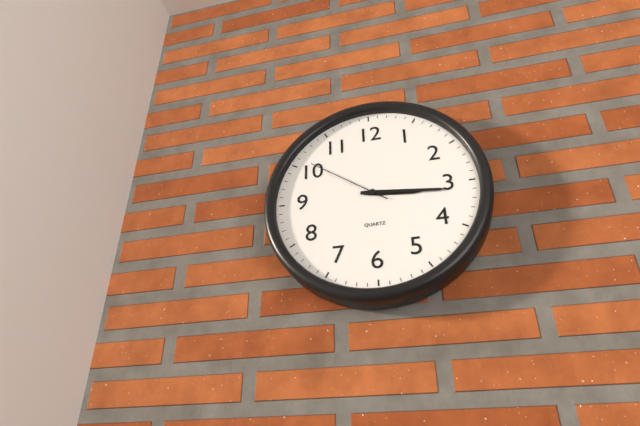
3:16:51
